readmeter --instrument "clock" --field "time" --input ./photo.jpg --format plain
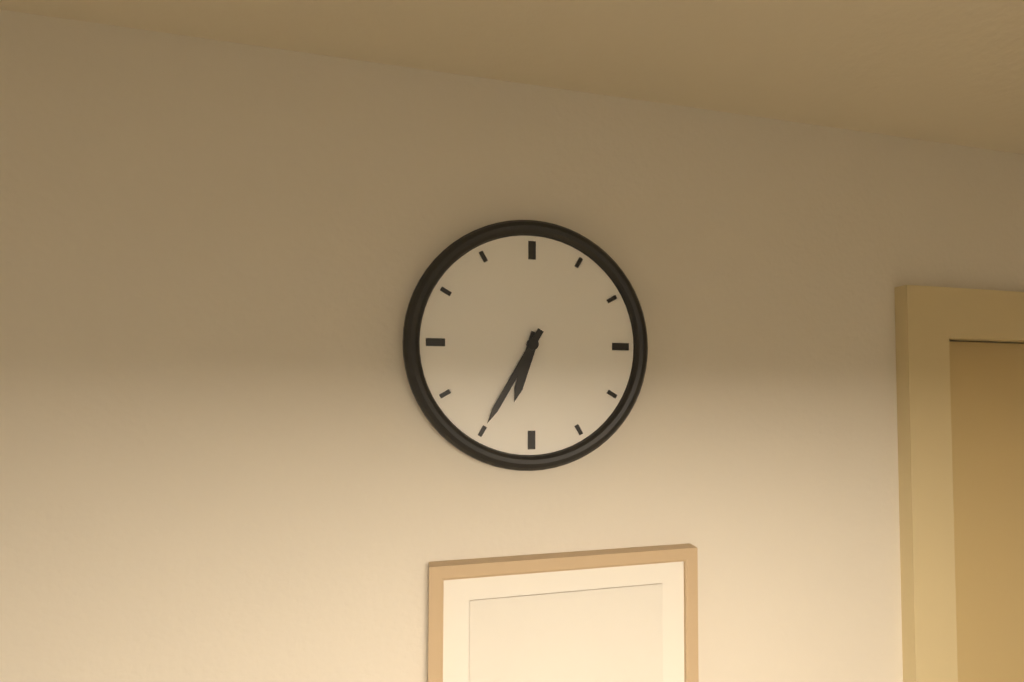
6:35
